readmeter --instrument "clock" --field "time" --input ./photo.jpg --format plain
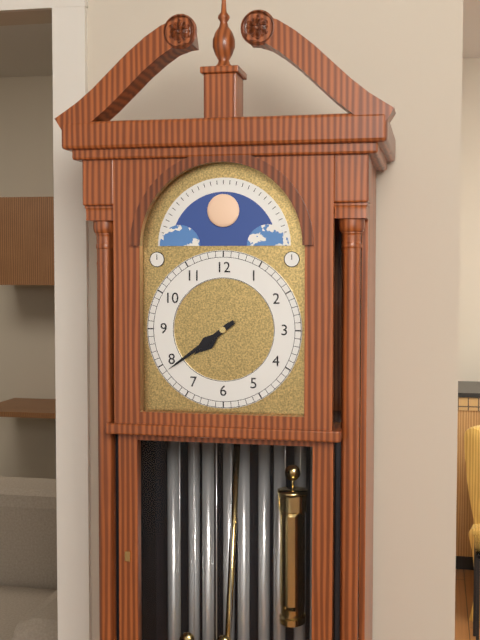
7:39
